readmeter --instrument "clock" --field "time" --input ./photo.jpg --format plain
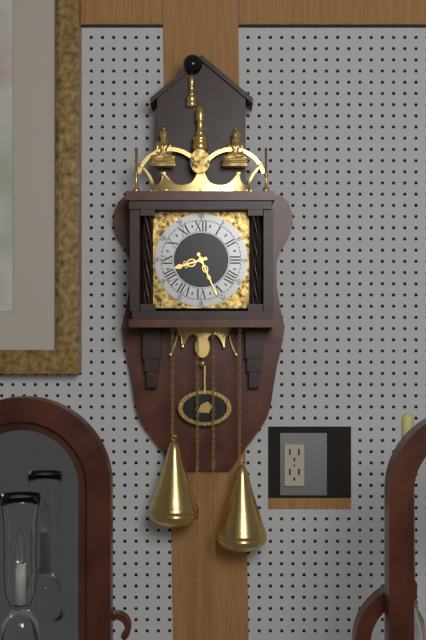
8:26
